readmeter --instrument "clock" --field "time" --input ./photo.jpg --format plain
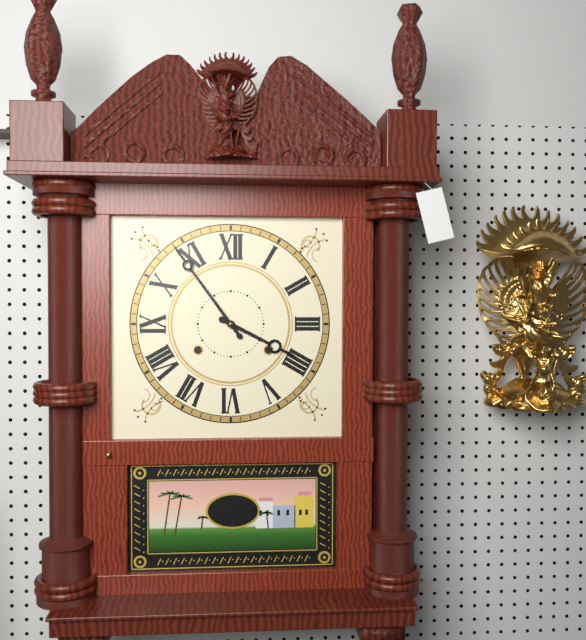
3:54
